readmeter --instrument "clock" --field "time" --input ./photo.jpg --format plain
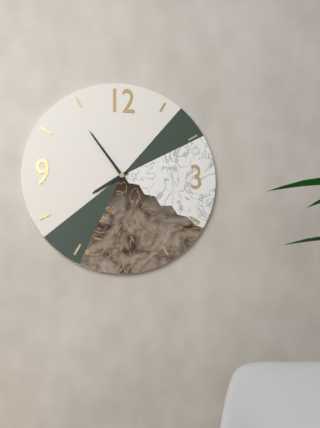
7:54
